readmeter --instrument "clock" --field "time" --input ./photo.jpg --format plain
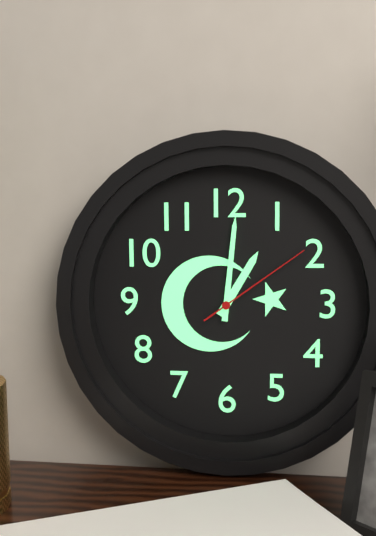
1:01:09
